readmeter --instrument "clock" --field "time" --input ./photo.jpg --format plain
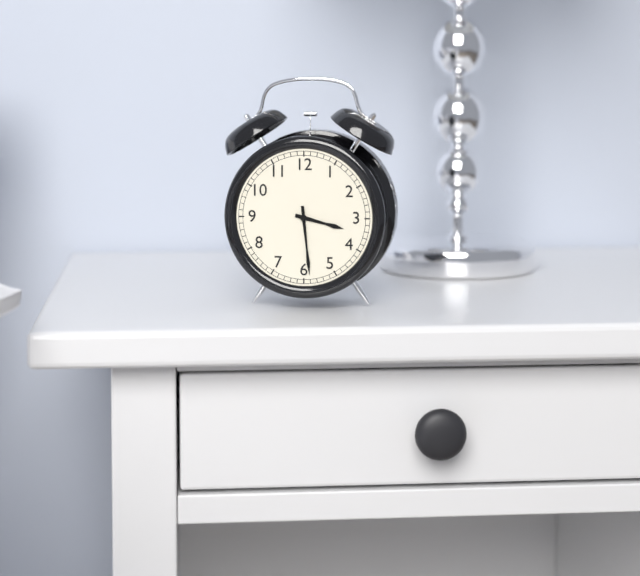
3:29
